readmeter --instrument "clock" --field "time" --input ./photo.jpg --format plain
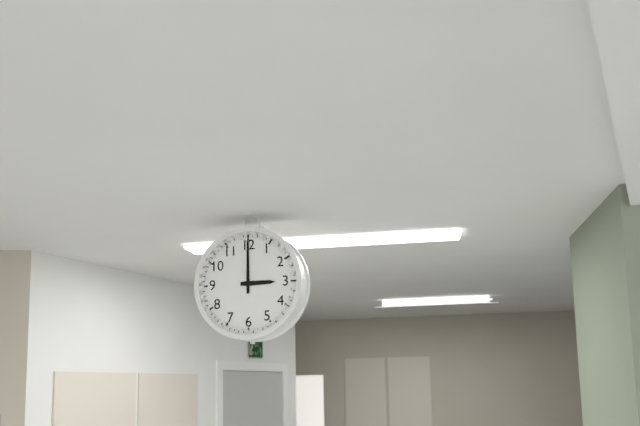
3:00
